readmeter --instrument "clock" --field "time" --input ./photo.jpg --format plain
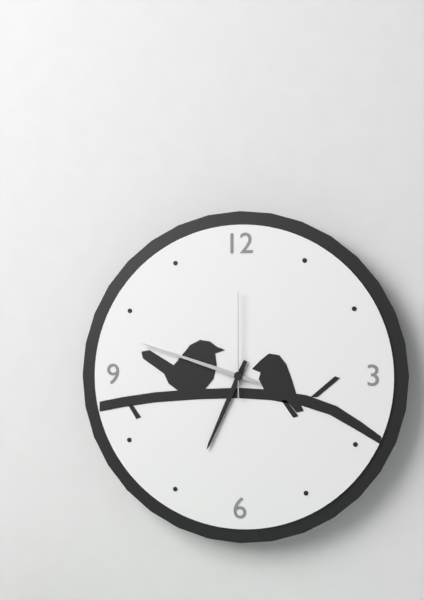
6:48:00
